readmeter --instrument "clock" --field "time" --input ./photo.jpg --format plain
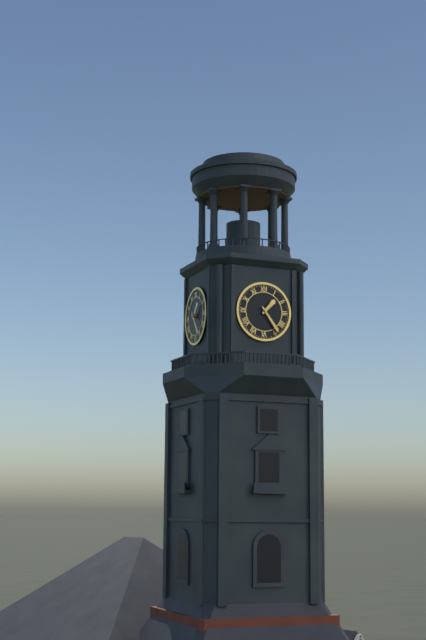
1:24
